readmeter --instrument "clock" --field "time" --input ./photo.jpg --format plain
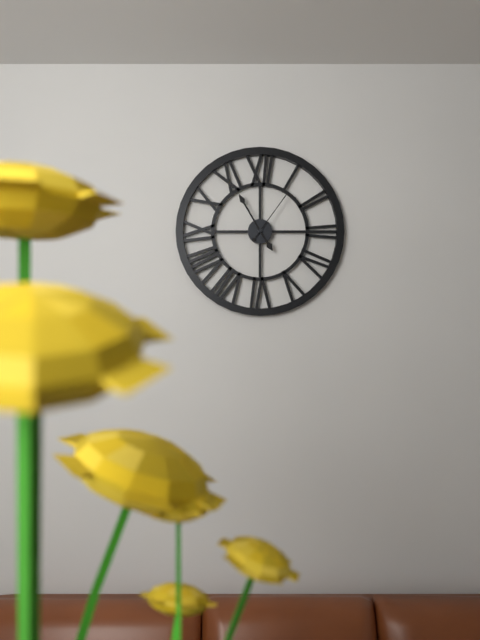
4:55:06
